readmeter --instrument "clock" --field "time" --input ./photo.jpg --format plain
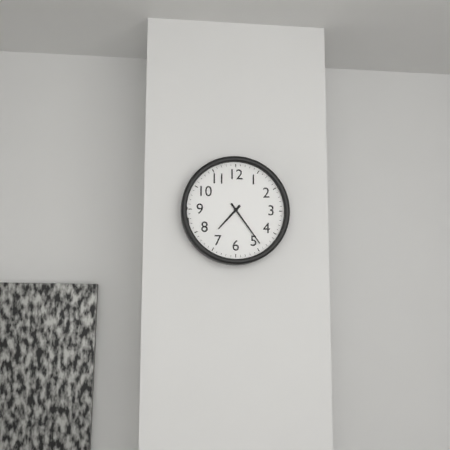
7:24
